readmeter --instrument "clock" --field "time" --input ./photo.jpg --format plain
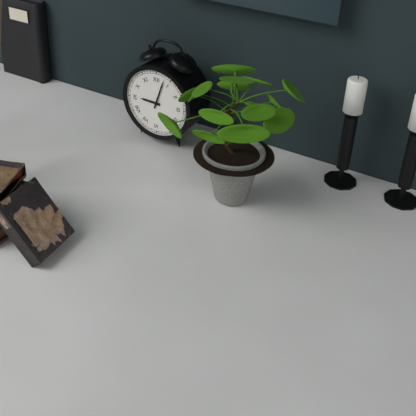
9:03
